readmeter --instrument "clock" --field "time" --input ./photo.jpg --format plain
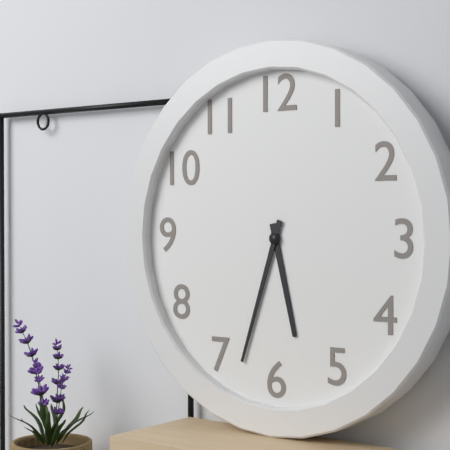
5:33
